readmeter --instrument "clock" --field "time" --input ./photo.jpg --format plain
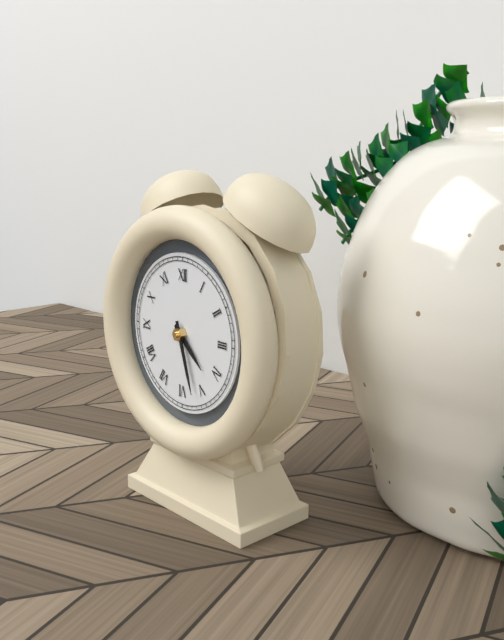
4:27
